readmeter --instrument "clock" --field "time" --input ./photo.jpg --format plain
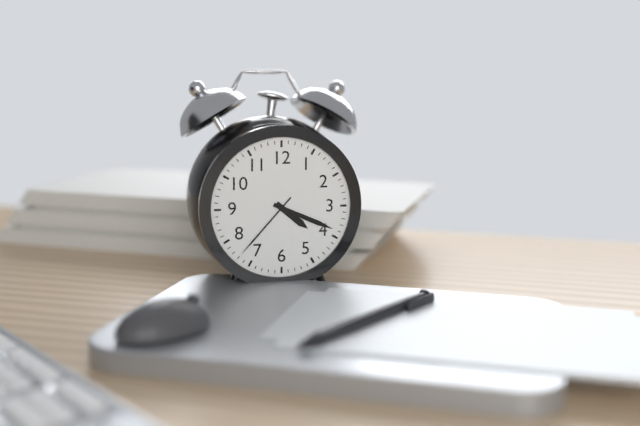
4:19:37
